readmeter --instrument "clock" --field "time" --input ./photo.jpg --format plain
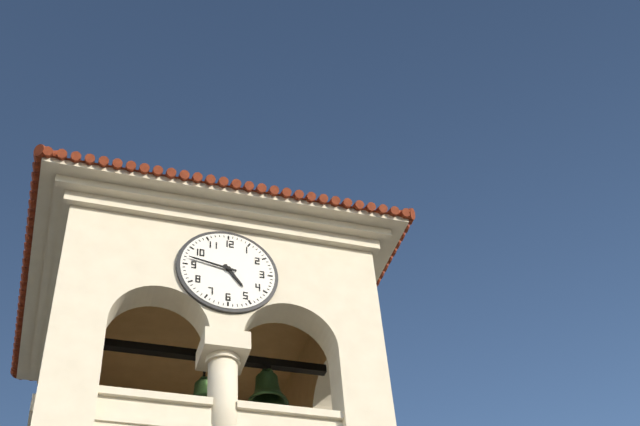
4:47
